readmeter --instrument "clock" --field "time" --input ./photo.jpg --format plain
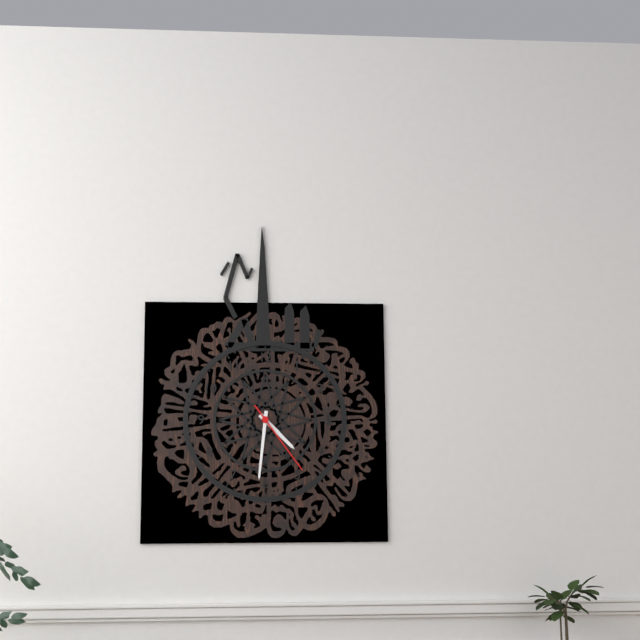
4:31:24
